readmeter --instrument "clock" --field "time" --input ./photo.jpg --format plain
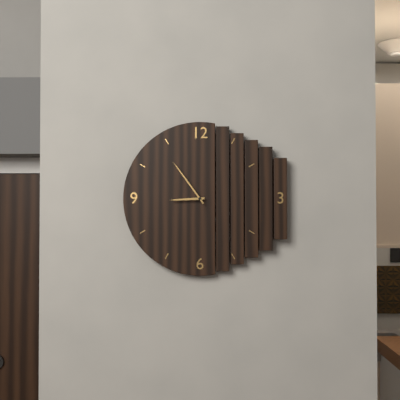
8:54
